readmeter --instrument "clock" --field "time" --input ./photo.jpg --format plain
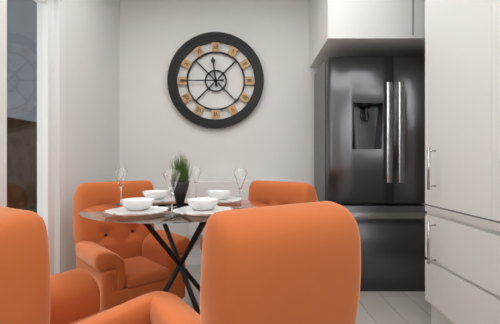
11:45
